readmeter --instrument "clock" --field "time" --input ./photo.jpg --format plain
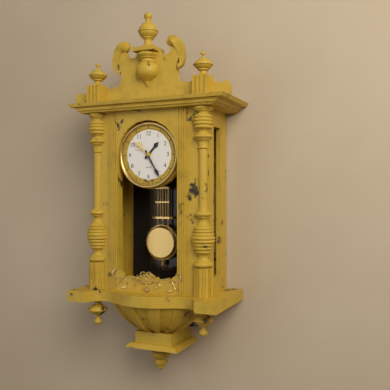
1:25
